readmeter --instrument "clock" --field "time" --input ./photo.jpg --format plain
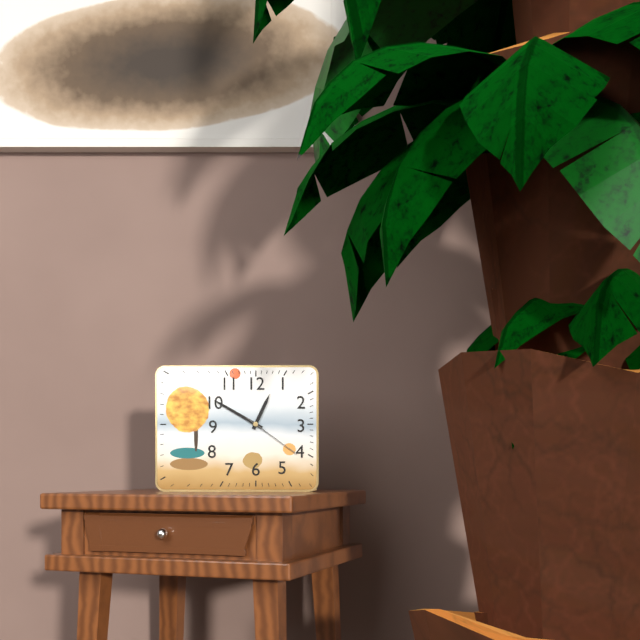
12:50:21
